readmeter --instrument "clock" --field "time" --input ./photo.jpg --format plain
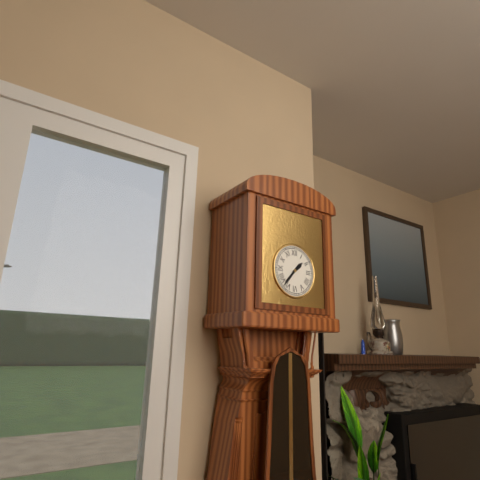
1:37
